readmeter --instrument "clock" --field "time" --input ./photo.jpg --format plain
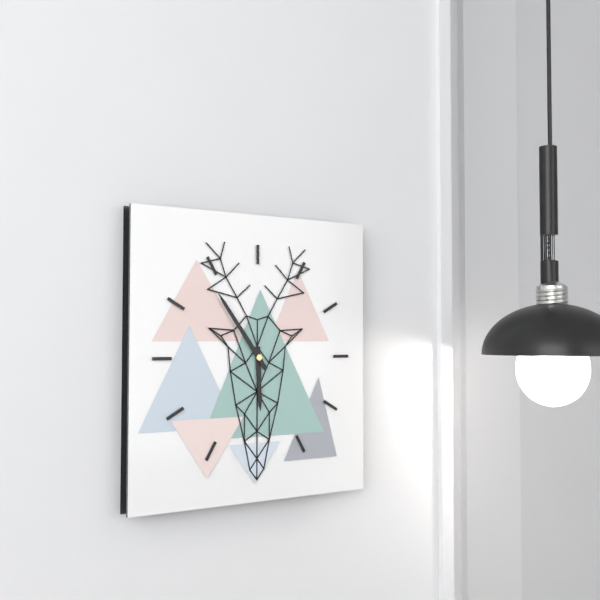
5:54
